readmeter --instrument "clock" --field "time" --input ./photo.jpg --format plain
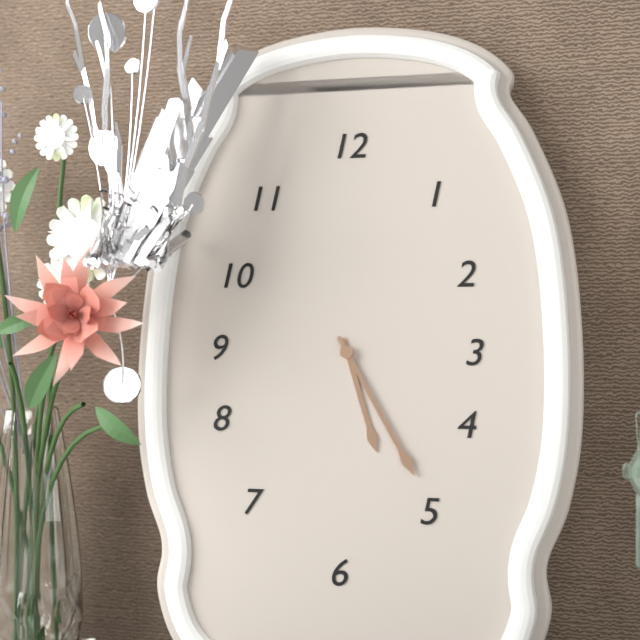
5:25
